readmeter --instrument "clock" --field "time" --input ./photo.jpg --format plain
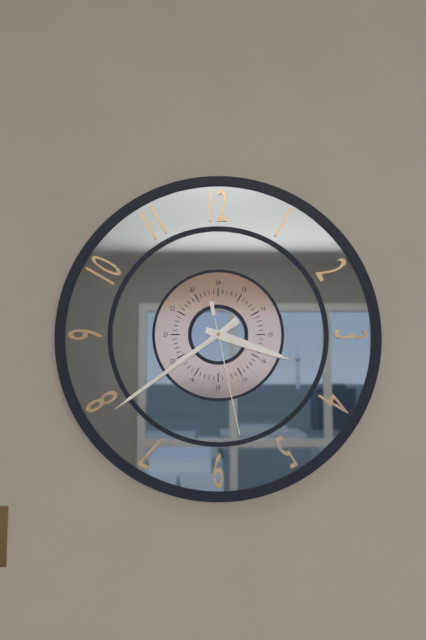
3:39:28
